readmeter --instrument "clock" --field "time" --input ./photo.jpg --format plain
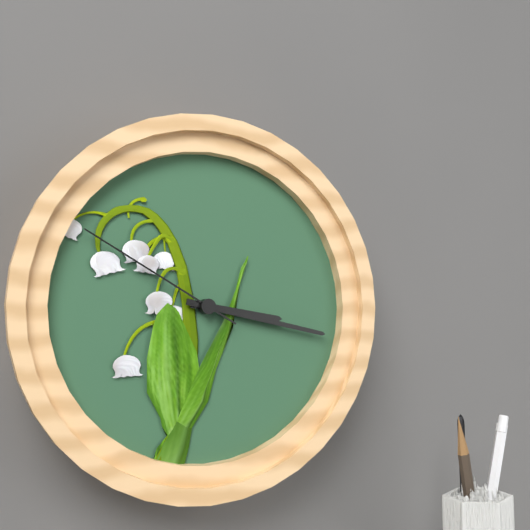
3:17:50
